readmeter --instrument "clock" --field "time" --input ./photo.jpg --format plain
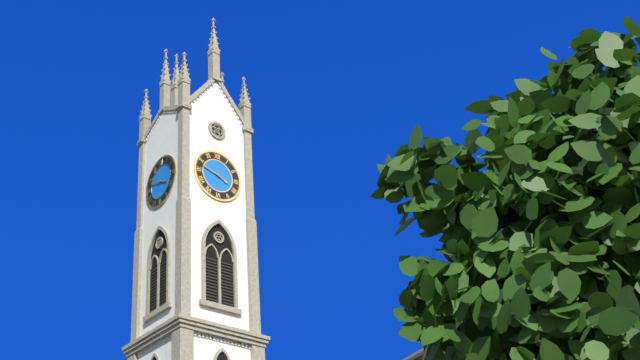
3:48
